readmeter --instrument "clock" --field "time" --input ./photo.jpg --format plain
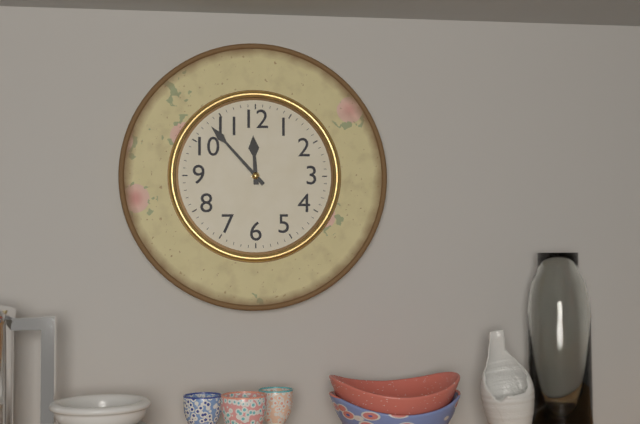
11:53
